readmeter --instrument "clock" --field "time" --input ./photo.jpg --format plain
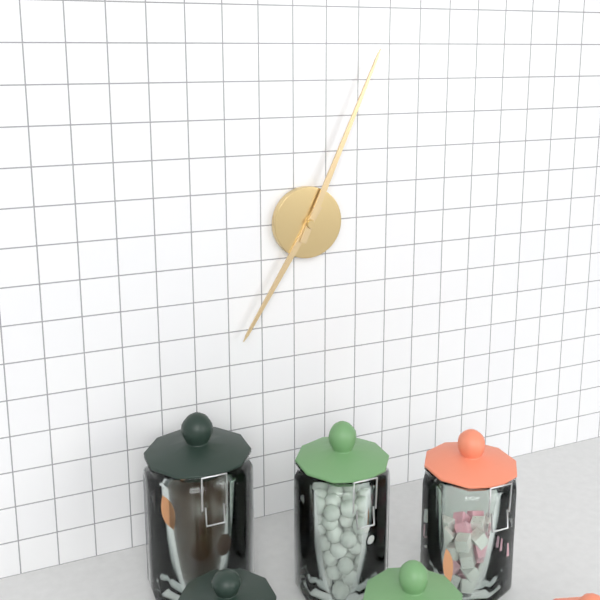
7:04
